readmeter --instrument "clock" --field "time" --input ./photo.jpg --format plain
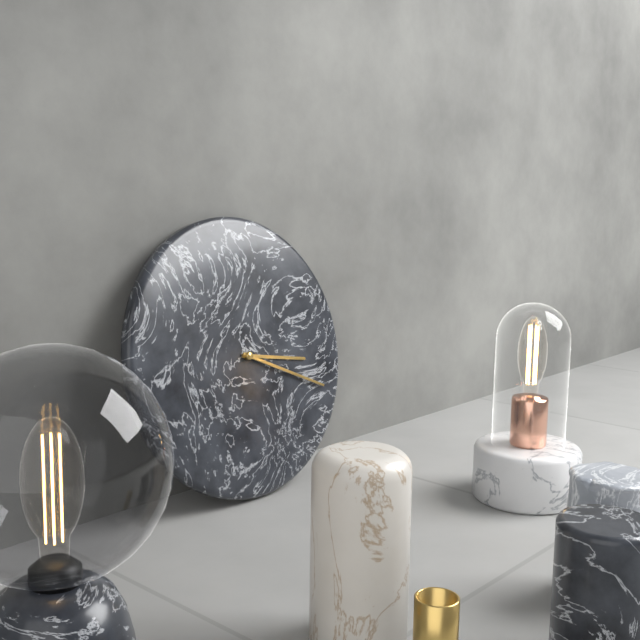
3:19
